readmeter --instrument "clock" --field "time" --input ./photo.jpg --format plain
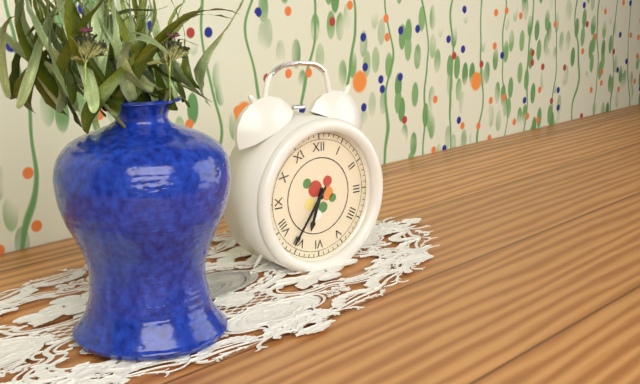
6:36
